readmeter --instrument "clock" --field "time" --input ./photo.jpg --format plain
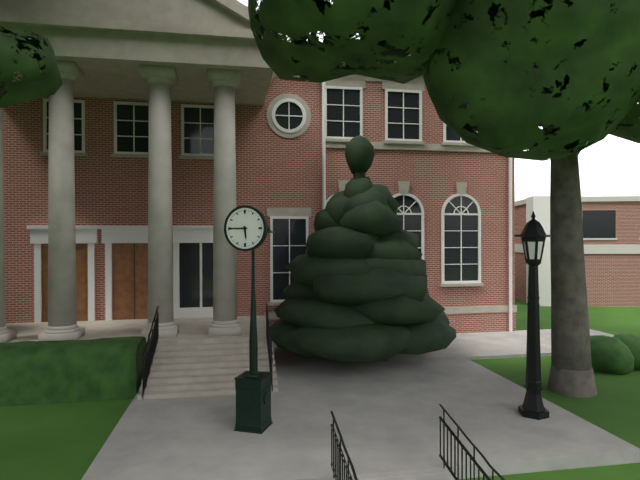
5:45
